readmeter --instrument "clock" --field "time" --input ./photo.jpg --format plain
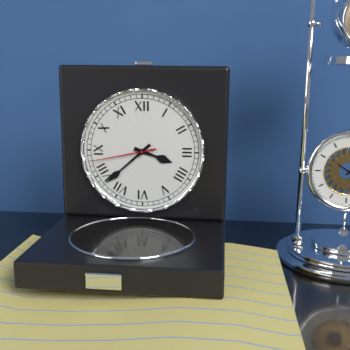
3:38:43
